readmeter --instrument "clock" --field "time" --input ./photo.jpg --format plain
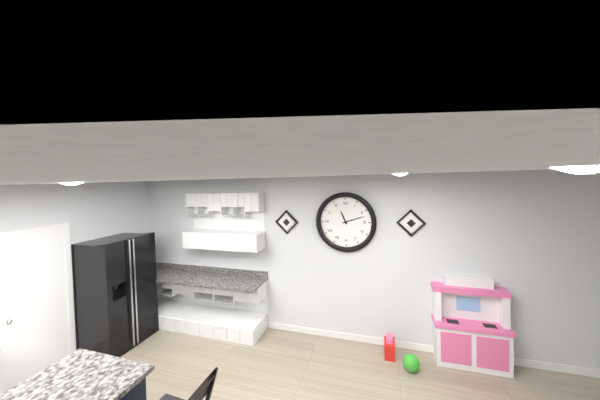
11:12
